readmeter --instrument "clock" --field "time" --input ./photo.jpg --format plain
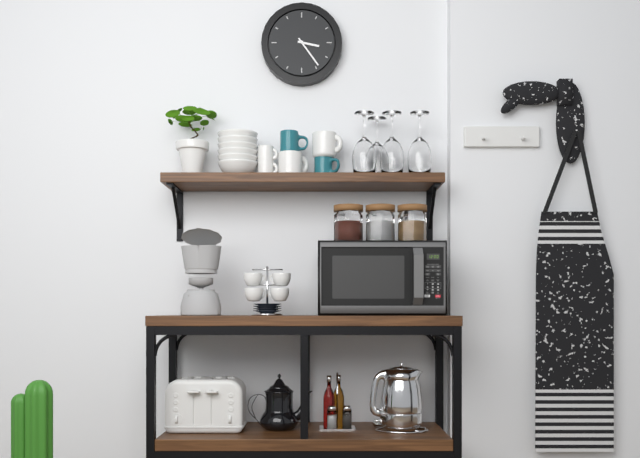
3:24
